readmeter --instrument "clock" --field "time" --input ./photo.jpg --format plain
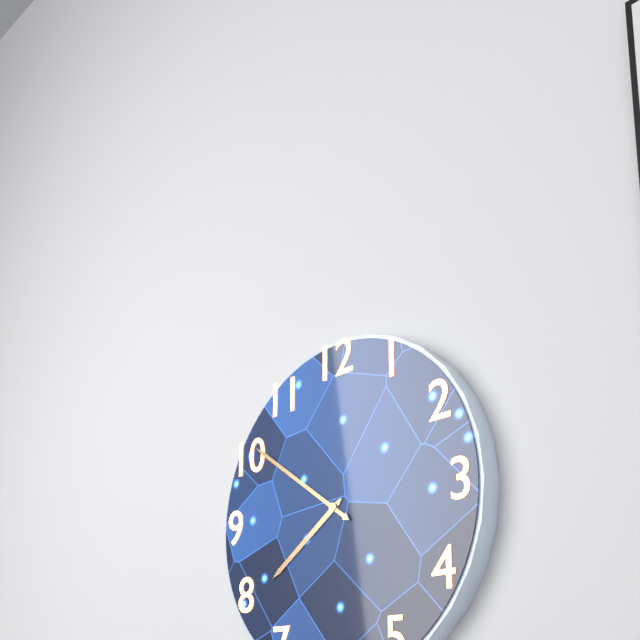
7:51
